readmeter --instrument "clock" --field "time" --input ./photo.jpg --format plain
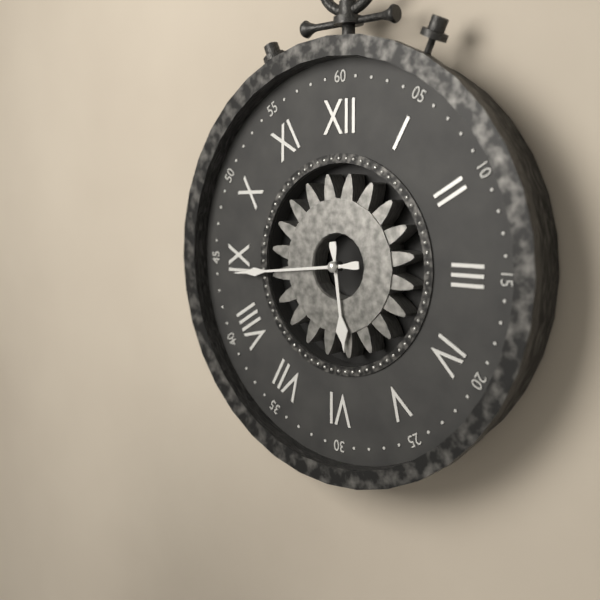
5:44
